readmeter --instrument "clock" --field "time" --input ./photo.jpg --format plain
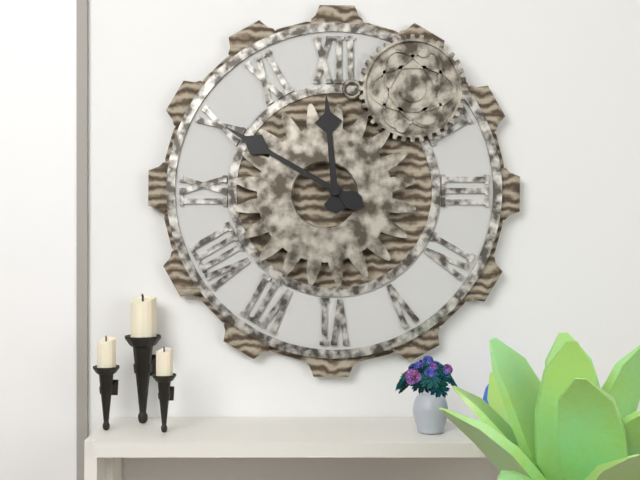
11:50
